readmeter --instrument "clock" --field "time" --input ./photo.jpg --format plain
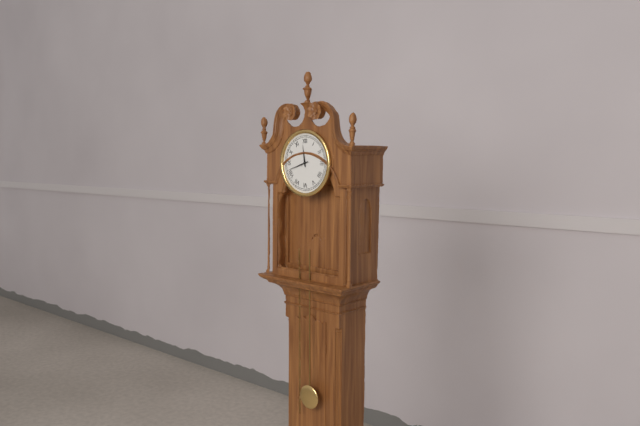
11:42
